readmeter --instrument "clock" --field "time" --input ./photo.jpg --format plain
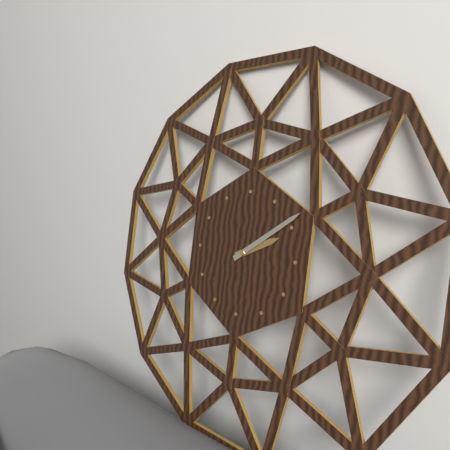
2:09
